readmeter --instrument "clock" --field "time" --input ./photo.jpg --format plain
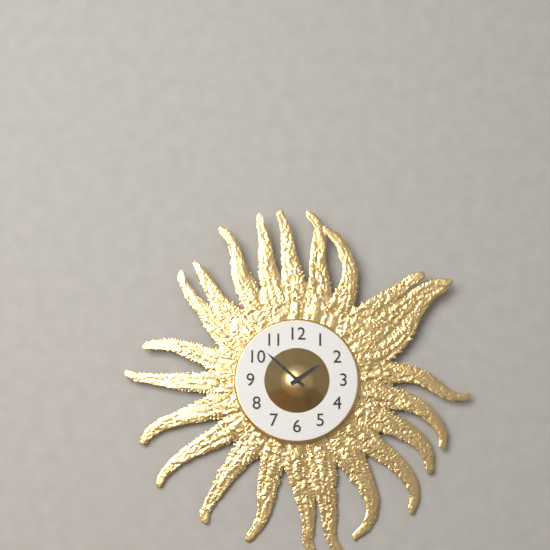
1:52
